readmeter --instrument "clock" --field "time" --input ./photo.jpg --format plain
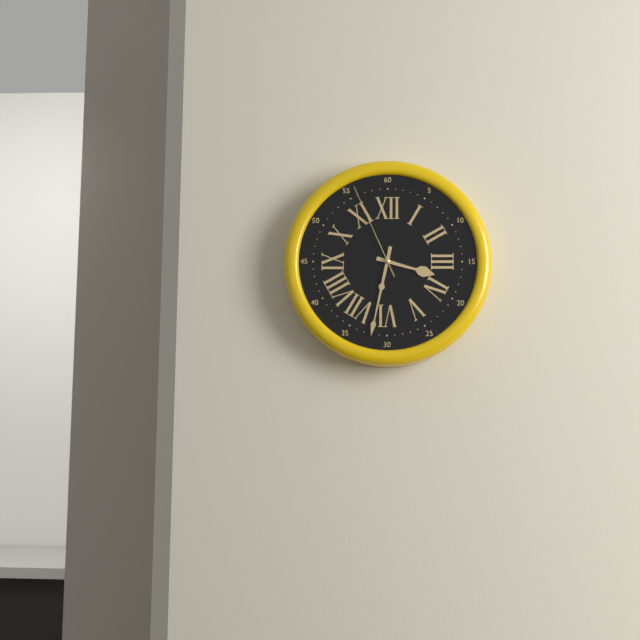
3:32:56
